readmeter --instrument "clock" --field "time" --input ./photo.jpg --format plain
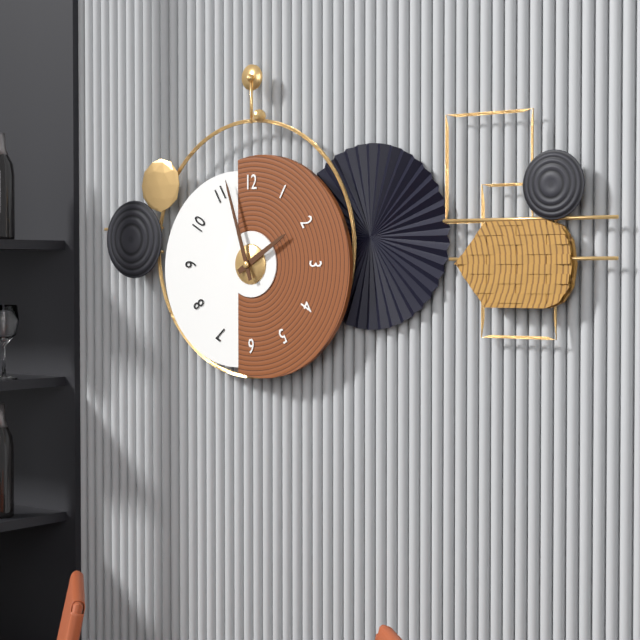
1:57
